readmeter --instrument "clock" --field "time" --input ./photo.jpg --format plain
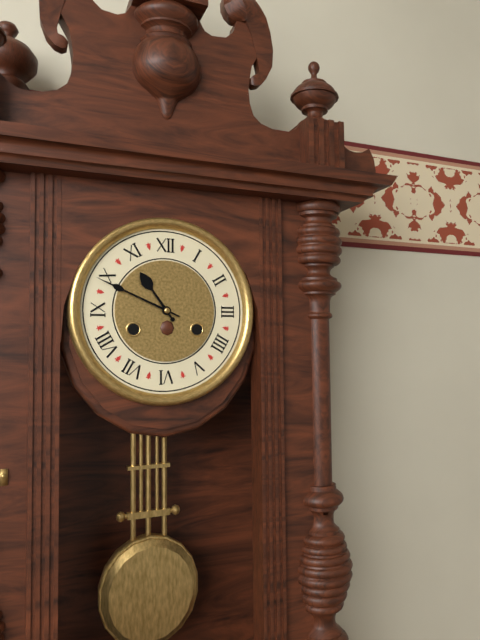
10:49
